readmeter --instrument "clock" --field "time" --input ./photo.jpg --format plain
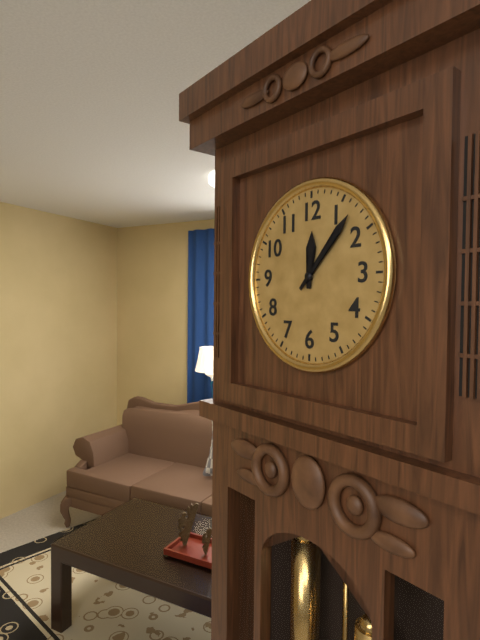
12:07
